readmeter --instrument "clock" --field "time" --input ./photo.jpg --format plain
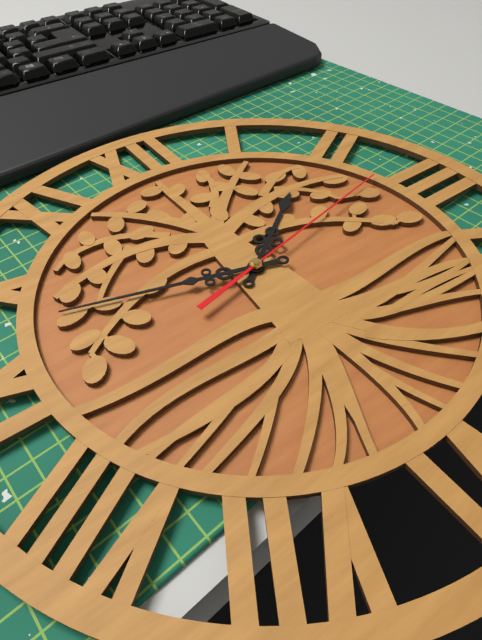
1:48:13
